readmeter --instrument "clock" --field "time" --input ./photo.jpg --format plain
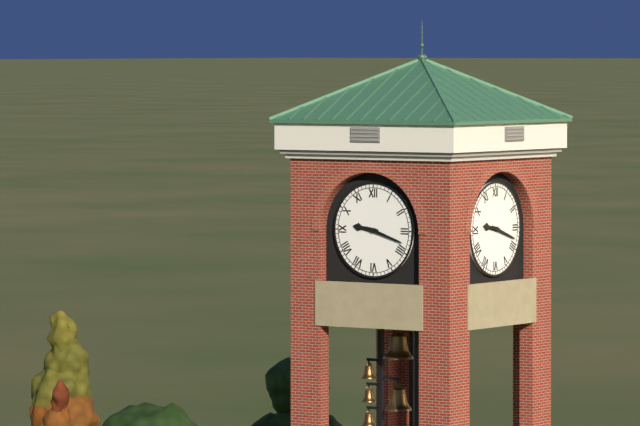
9:18
